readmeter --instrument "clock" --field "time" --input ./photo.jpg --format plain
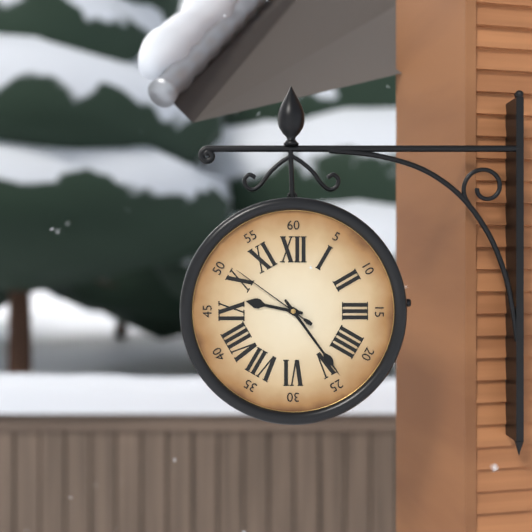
9:24:51
